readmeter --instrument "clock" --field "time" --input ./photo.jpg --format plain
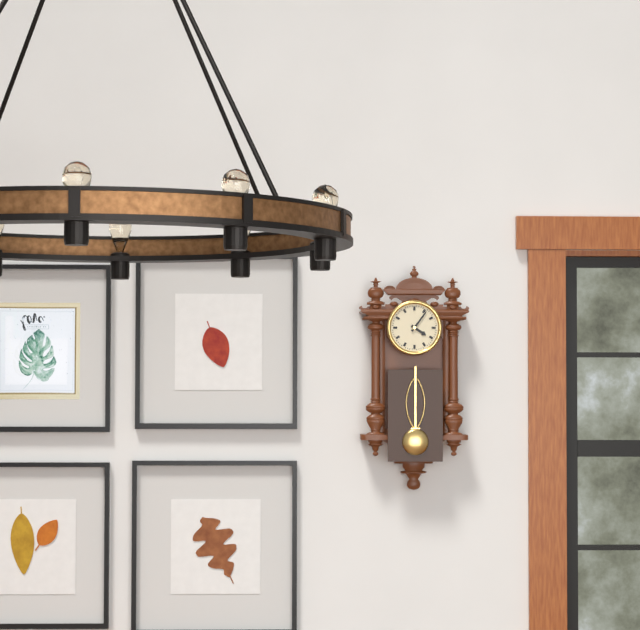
4:06
